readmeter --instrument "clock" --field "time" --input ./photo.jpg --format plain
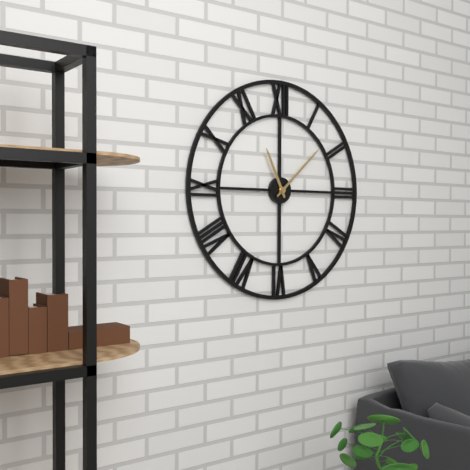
11:08
